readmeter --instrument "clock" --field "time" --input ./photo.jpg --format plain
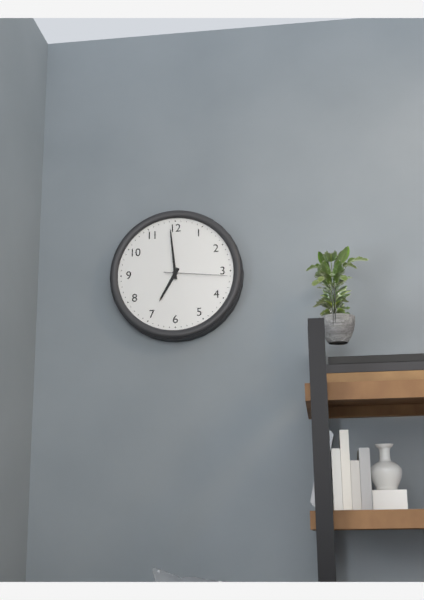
6:59:16
